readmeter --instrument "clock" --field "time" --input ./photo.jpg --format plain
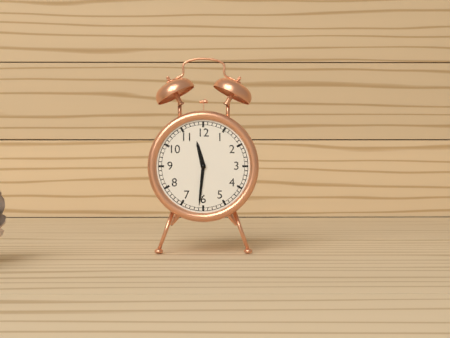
11:31
